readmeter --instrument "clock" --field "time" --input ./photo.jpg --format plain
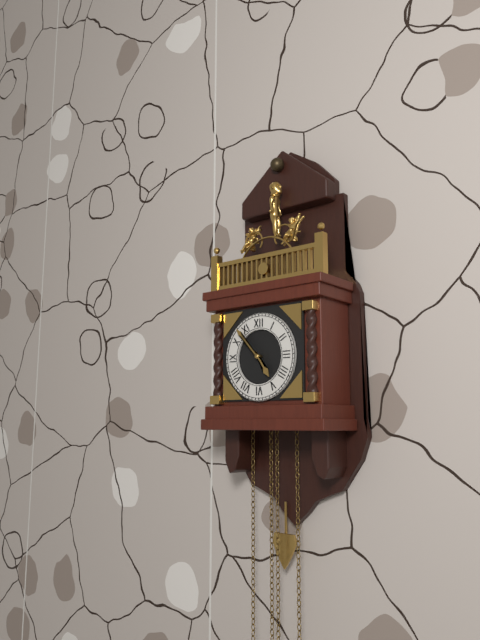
4:53
